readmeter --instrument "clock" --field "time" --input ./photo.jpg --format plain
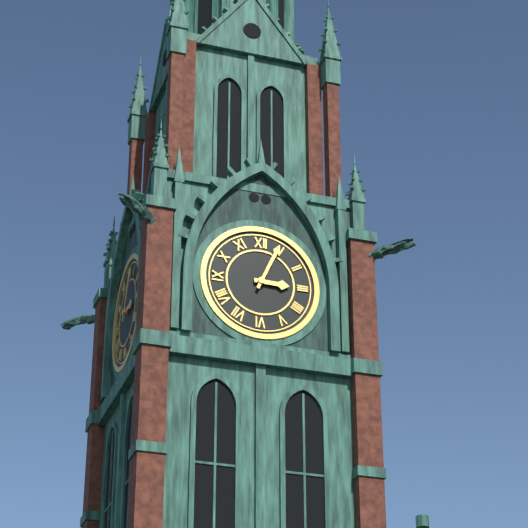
3:04
